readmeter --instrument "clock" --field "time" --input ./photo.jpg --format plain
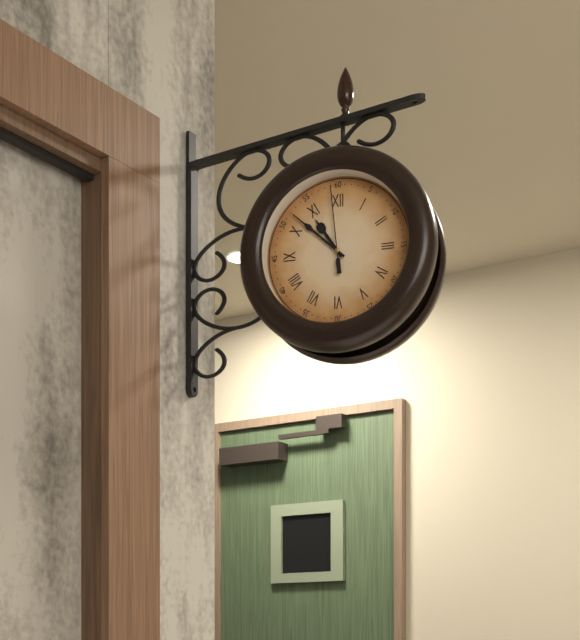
10:52:59
